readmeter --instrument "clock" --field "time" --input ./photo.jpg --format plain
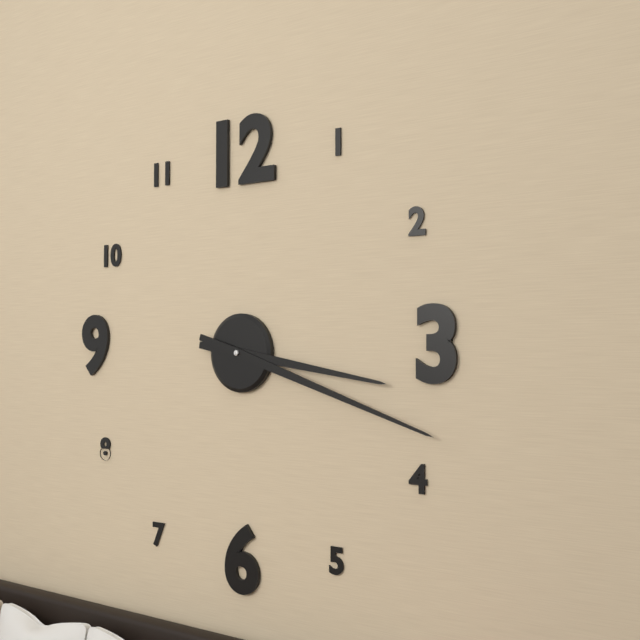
3:18
